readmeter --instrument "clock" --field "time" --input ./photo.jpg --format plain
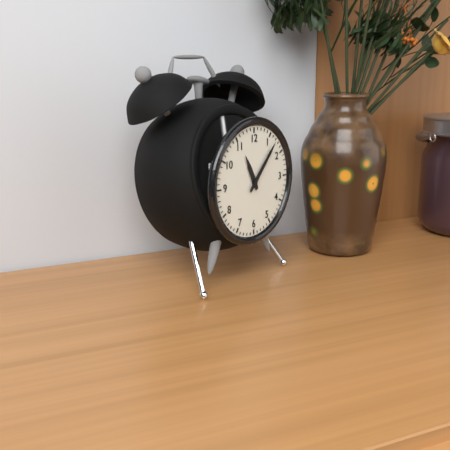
11:07
